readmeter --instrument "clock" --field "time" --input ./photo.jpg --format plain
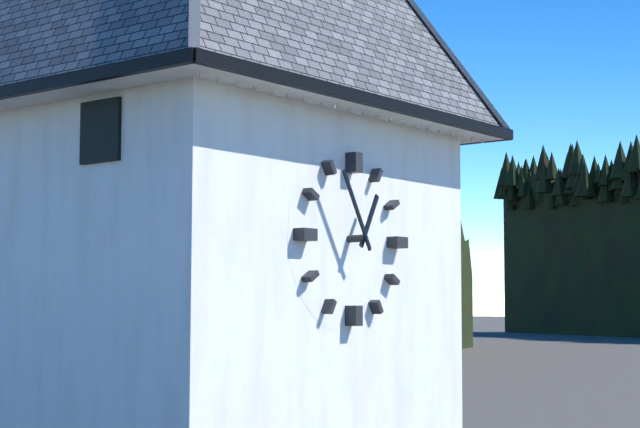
12:55
